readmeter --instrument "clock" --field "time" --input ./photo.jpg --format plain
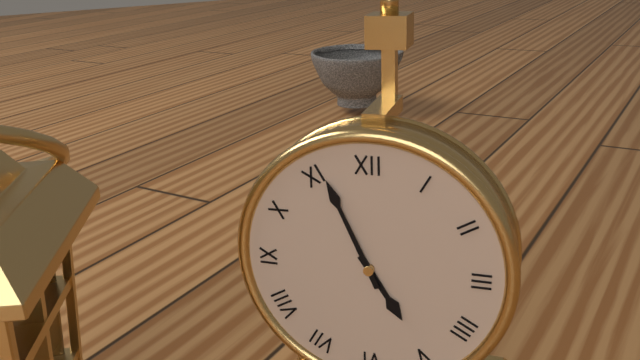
4:56
